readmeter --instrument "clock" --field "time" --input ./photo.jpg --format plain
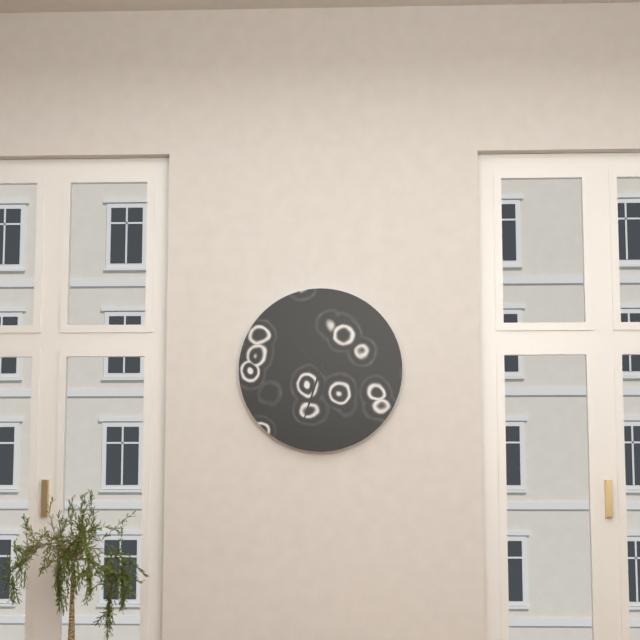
10:33
